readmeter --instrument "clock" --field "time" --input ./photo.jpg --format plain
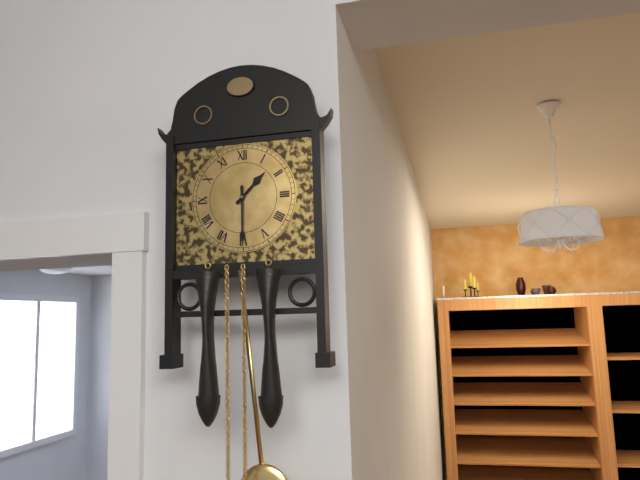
1:30
